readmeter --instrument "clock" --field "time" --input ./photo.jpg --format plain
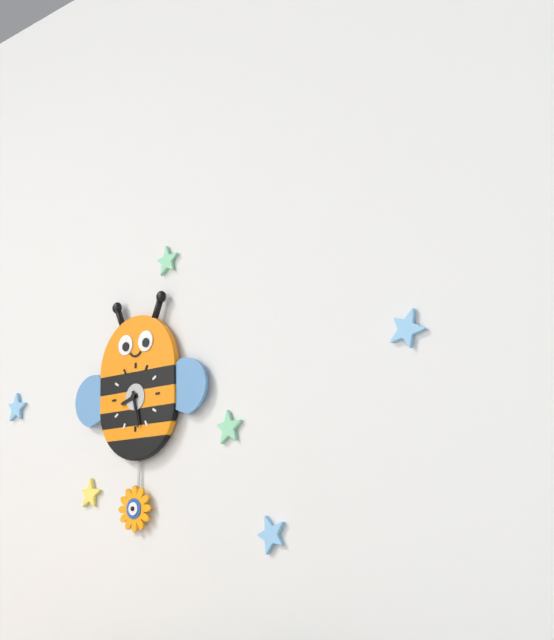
8:28
